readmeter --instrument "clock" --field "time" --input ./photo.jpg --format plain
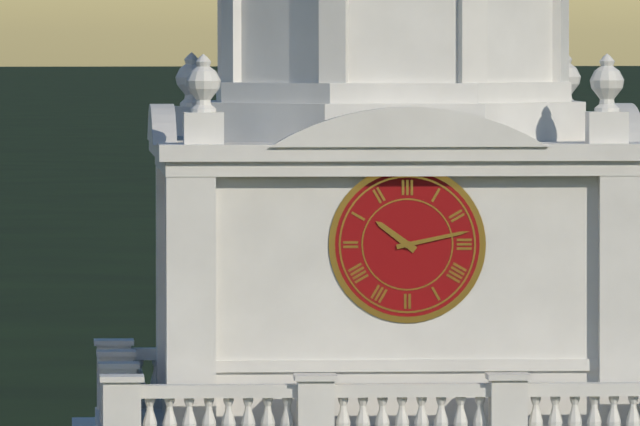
10:13
